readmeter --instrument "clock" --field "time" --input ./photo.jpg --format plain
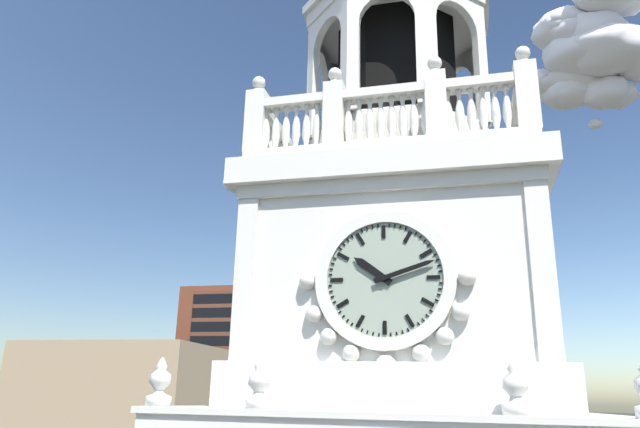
10:12
